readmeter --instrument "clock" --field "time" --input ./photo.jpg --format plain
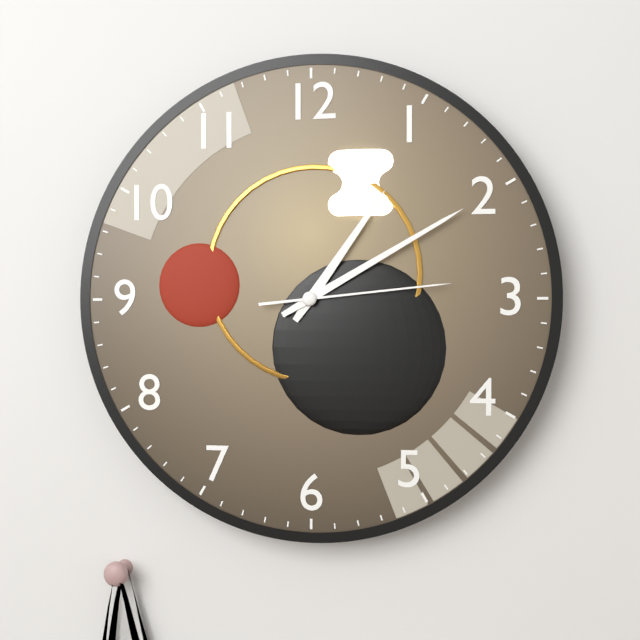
1:10:14
